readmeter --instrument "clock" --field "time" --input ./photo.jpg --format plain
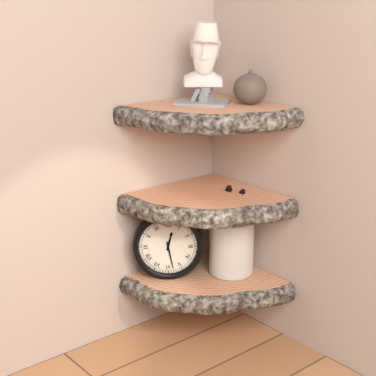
12:28
